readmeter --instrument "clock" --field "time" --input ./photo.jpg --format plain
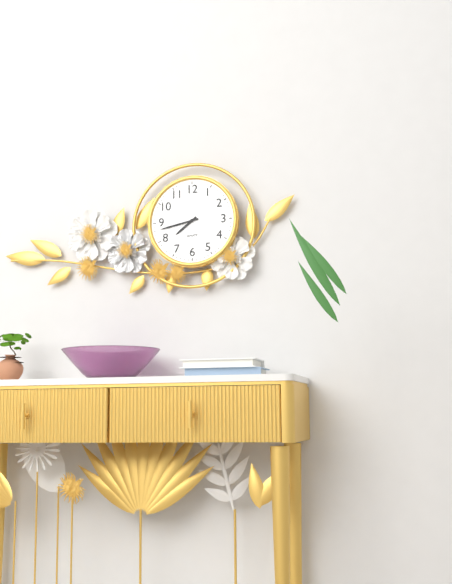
7:43
